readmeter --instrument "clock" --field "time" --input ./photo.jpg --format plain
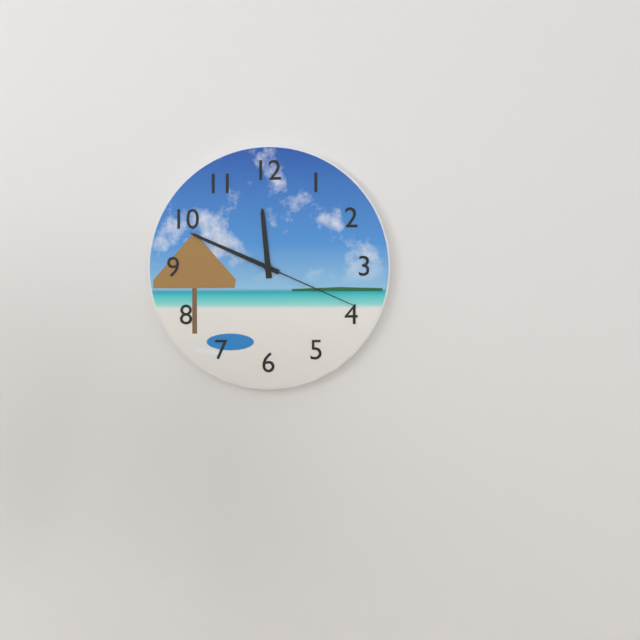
11:49:19
